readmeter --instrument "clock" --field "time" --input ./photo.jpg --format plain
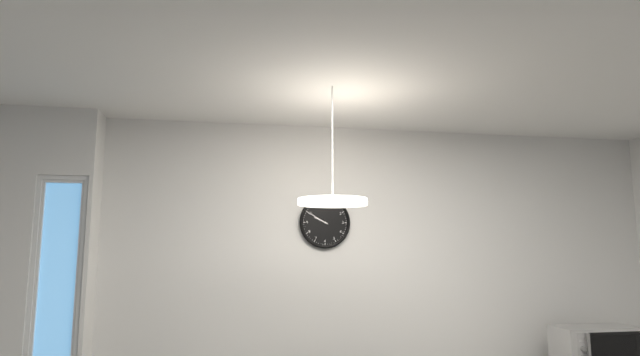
9:50
